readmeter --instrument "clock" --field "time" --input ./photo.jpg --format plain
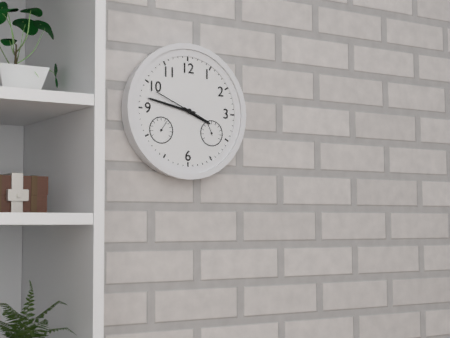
3:47
